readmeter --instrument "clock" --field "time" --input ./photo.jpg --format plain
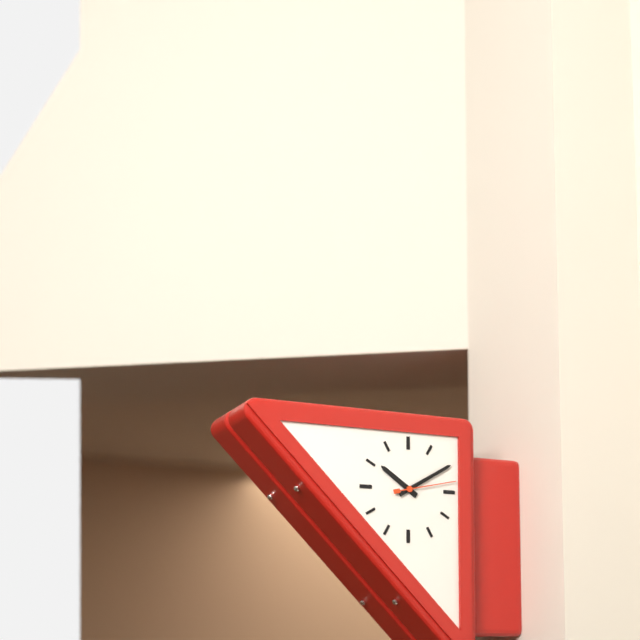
10:10:13
